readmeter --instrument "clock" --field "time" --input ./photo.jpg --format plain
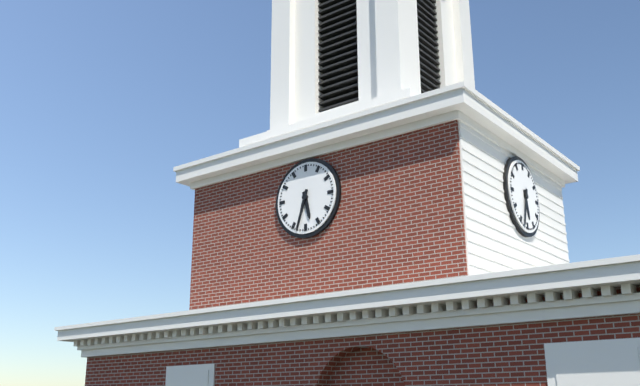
5:33
